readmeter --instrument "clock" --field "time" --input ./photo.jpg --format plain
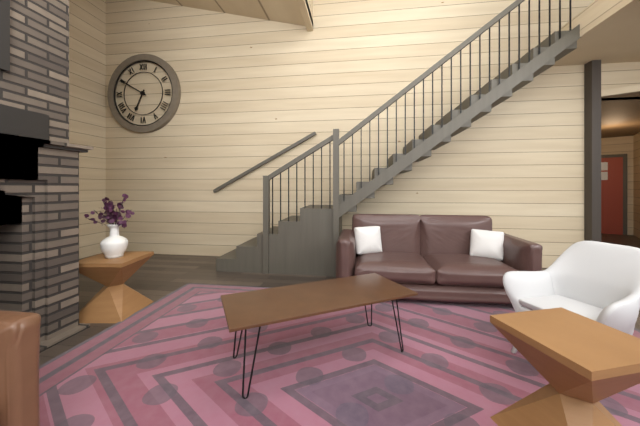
6:50
